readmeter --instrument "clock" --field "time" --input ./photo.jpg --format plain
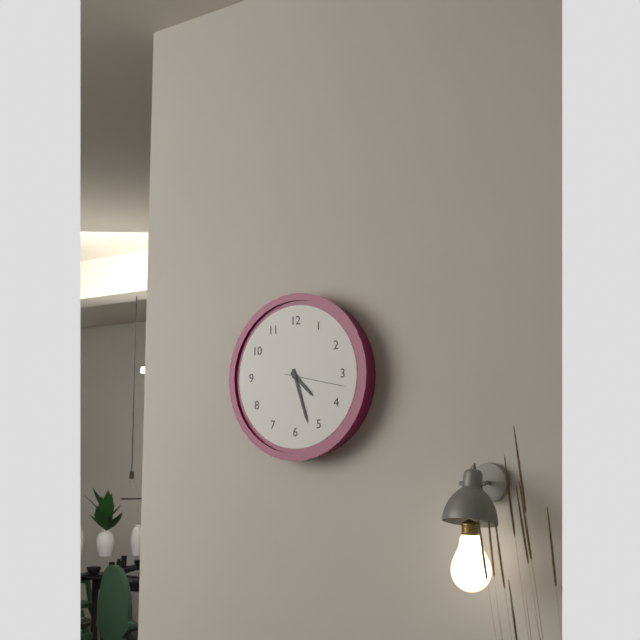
4:27:17
